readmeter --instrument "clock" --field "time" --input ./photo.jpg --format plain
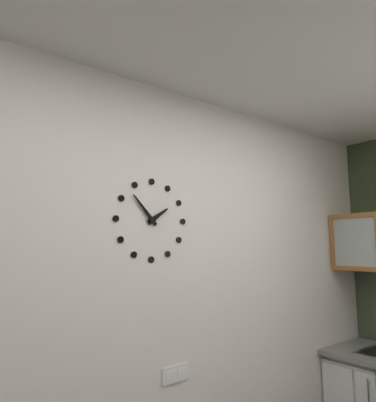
1:53
